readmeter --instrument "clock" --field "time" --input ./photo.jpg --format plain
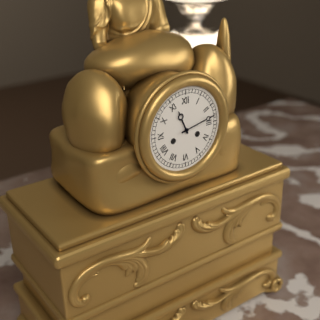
11:13
